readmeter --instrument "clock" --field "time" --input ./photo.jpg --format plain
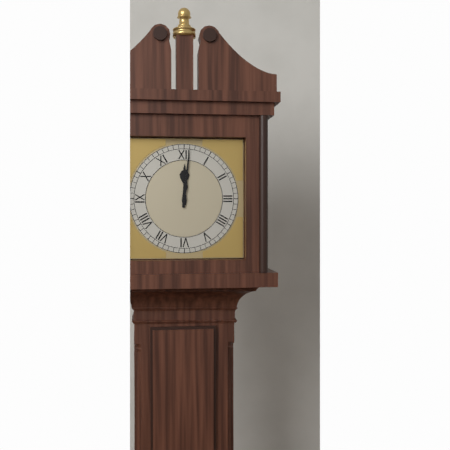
12:01
